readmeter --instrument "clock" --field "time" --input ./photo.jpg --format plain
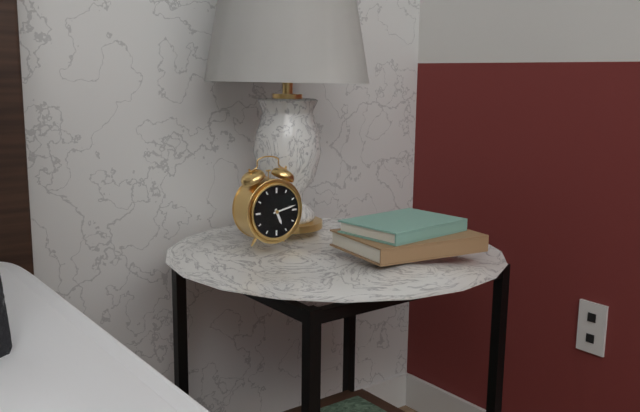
5:13
